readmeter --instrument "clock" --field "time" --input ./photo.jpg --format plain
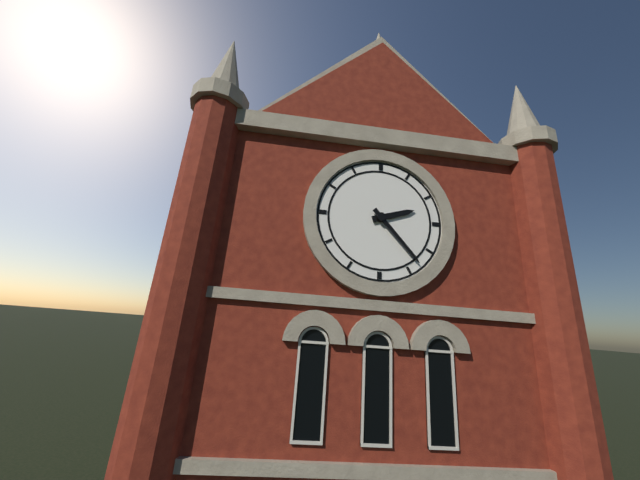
2:23
